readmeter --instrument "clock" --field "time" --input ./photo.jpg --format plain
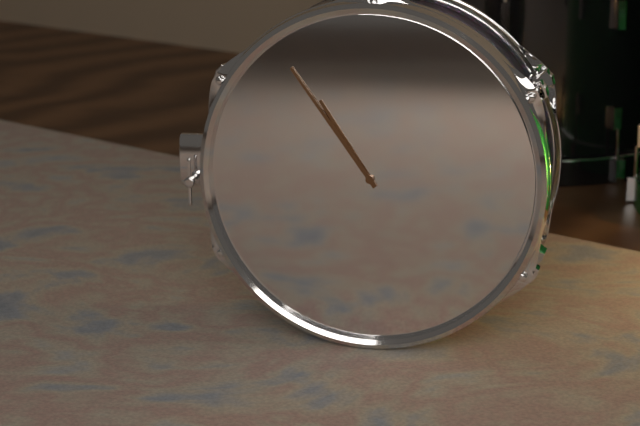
10:54
